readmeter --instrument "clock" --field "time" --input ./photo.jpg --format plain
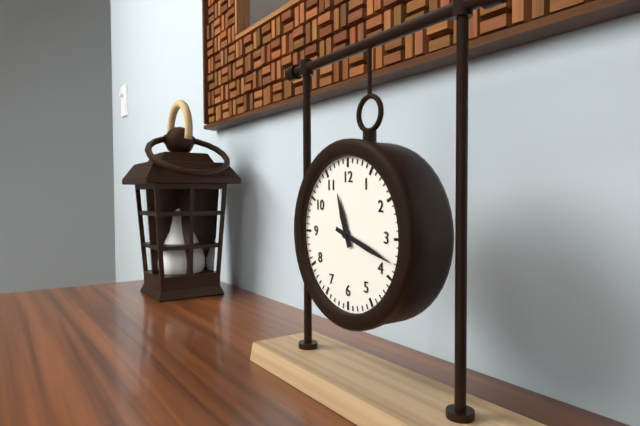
11:18
